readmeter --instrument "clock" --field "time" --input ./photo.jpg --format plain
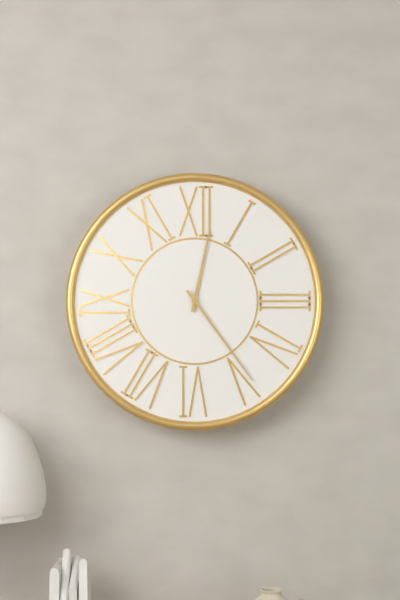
12:24
